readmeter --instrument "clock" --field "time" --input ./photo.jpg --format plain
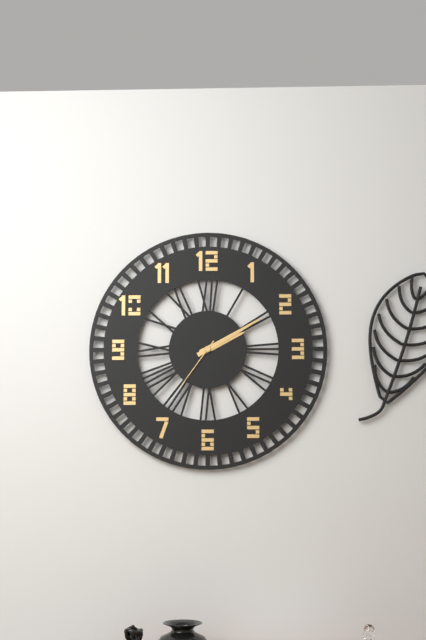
2:10:36
